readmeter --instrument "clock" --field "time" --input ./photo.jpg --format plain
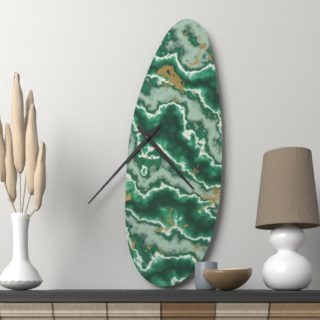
4:37
